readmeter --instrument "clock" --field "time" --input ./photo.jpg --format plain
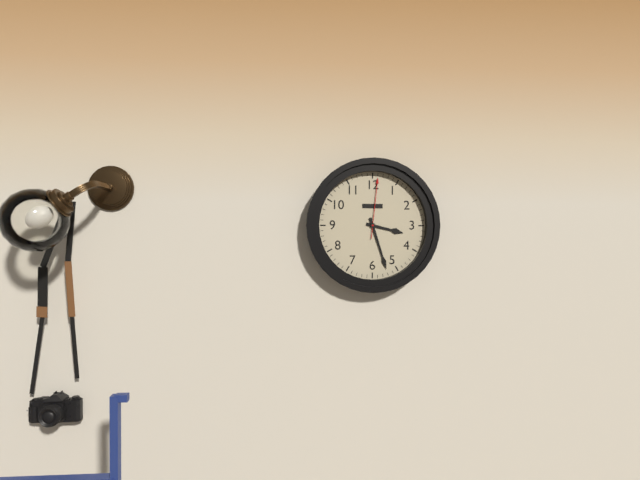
3:27:01
